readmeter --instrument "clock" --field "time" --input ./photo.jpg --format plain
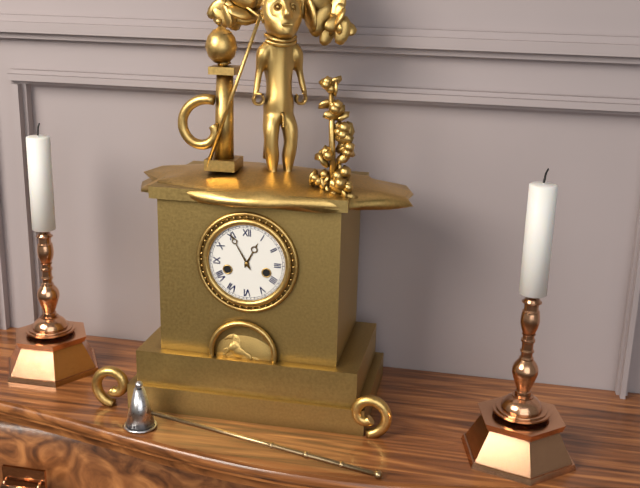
12:55
